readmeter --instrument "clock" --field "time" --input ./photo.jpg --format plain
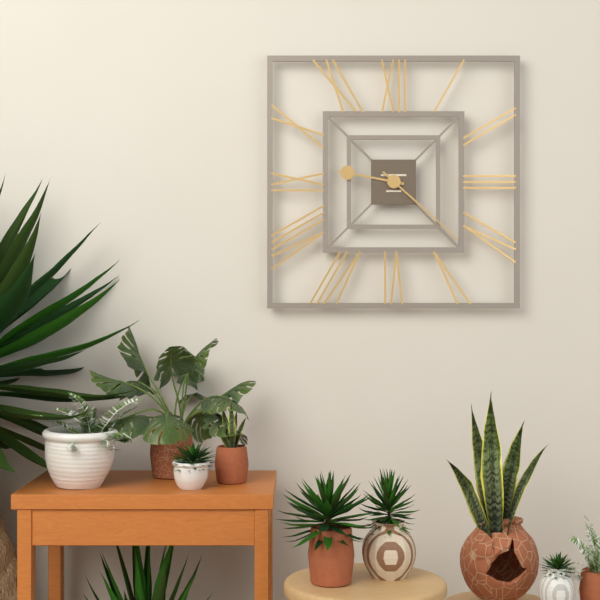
9:22
